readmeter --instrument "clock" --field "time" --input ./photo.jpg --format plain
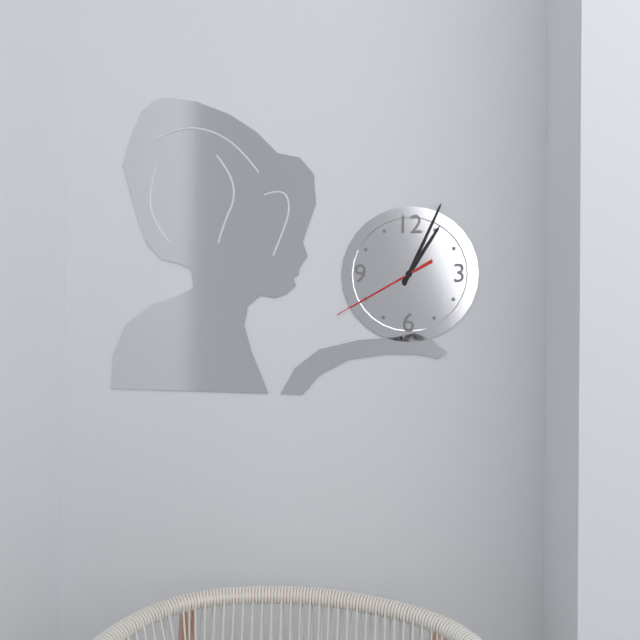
1:04:40
